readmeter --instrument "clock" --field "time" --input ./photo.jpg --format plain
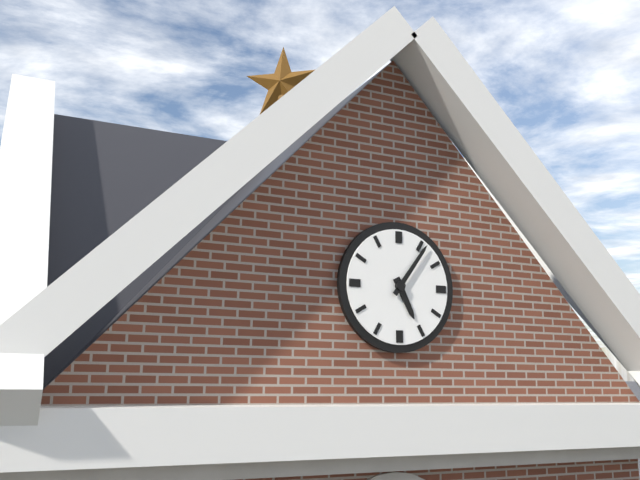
5:06
